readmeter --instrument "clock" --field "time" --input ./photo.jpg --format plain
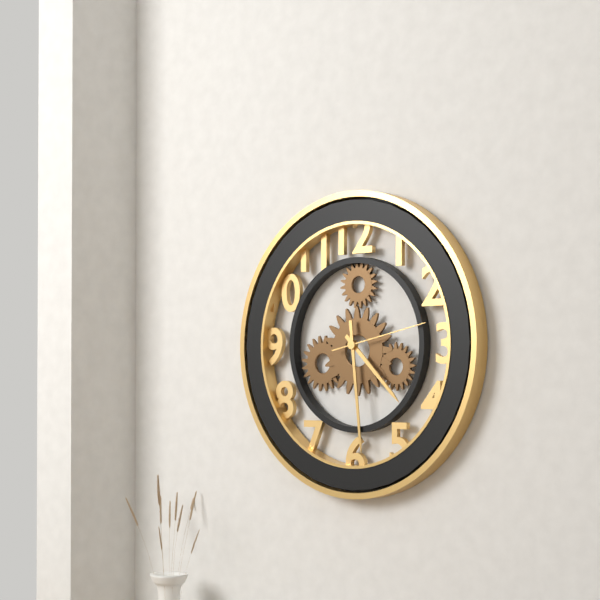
4:29:13
